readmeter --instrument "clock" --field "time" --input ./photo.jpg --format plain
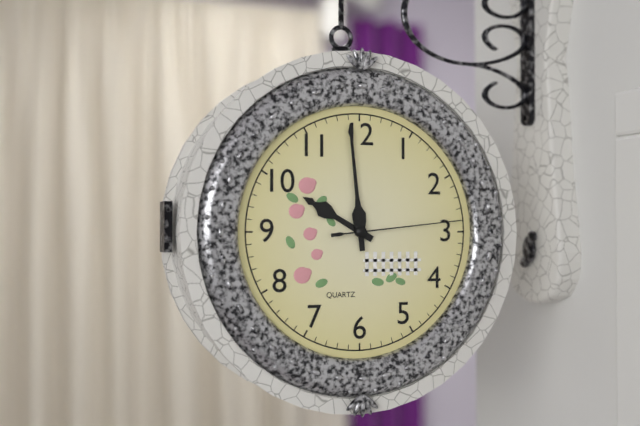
9:59:14
